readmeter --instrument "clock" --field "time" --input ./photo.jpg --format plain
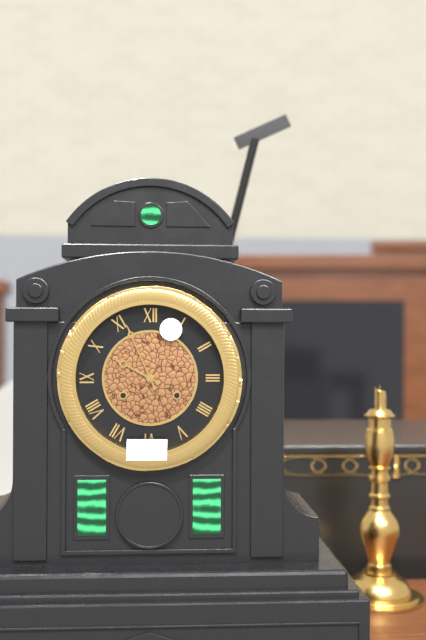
9:56
